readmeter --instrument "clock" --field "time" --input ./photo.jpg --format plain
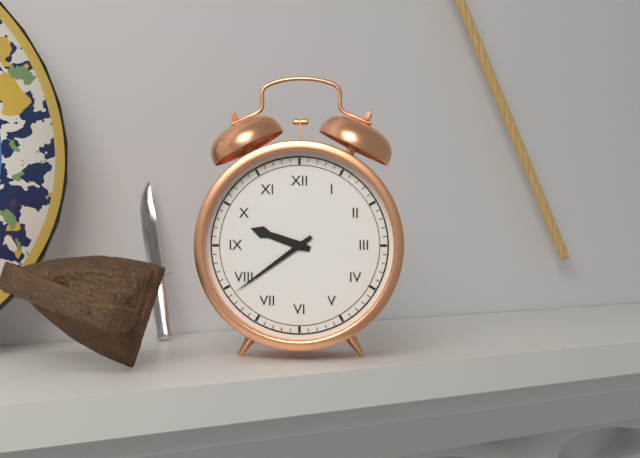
9:39
